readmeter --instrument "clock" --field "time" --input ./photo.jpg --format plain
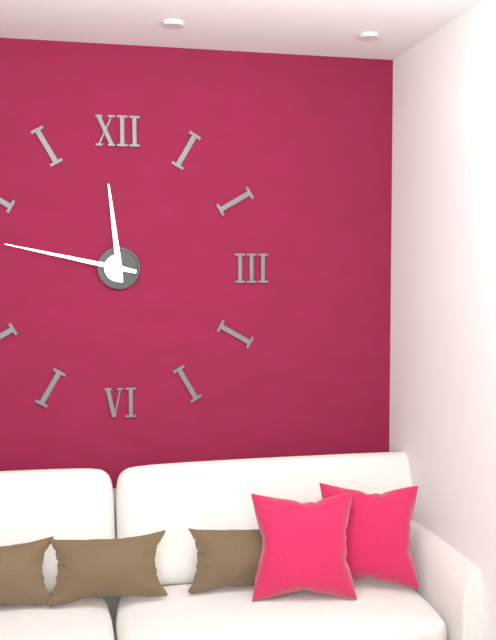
11:47
